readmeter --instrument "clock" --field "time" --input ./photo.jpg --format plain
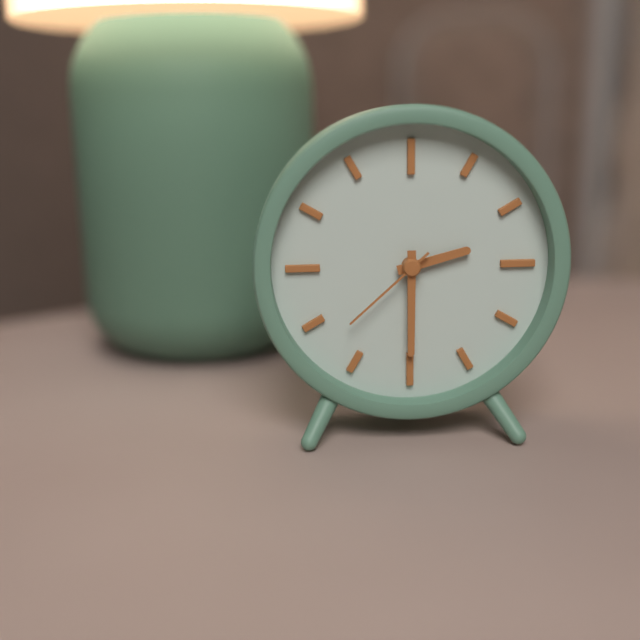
2:30:38
